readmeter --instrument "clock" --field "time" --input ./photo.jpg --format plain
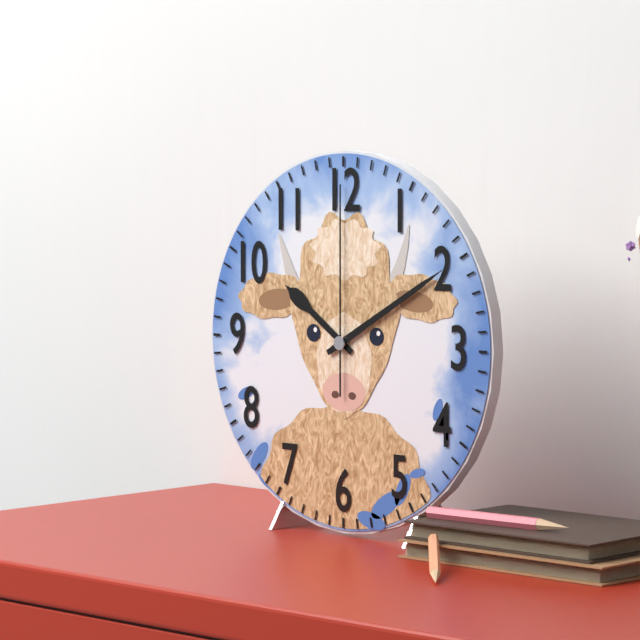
10:10:00
